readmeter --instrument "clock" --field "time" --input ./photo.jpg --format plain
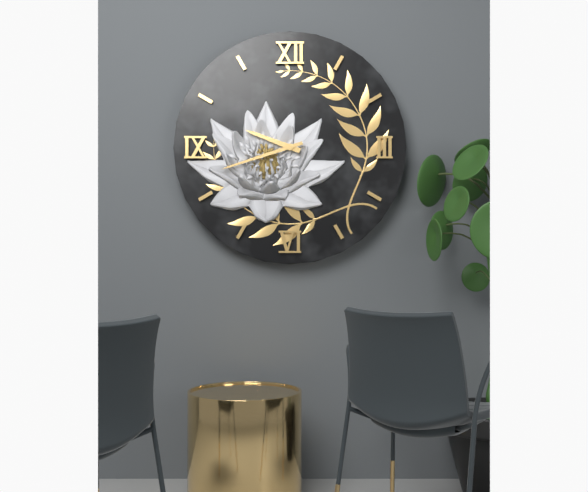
9:42
